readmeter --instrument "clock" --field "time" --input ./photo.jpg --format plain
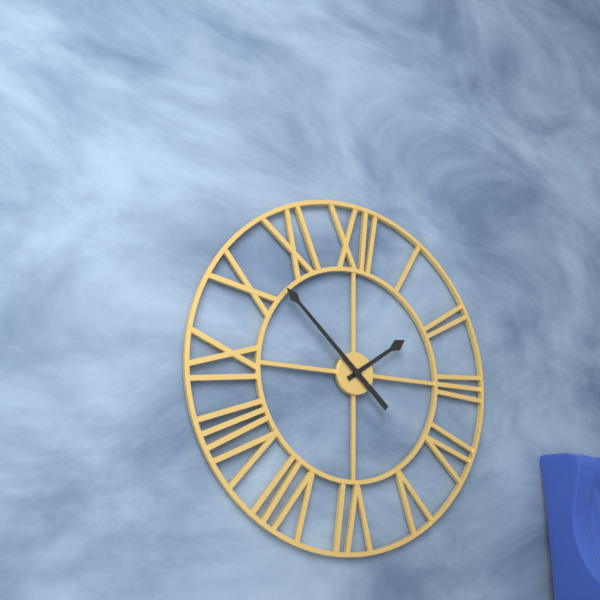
1:52
